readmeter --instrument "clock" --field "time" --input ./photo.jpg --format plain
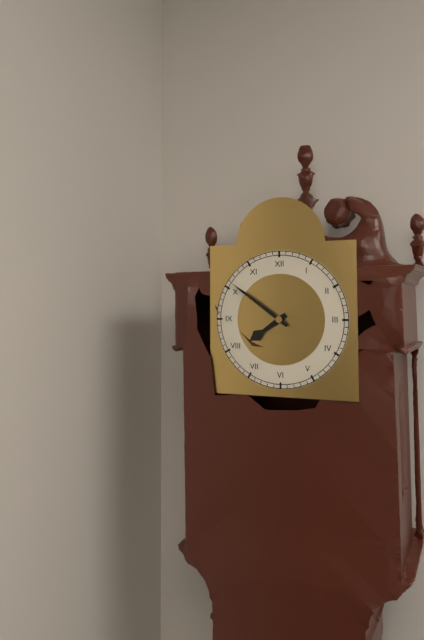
7:51
